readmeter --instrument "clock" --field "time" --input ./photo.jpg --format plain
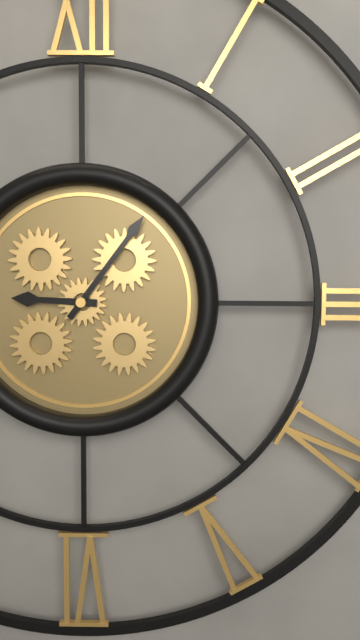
9:06
